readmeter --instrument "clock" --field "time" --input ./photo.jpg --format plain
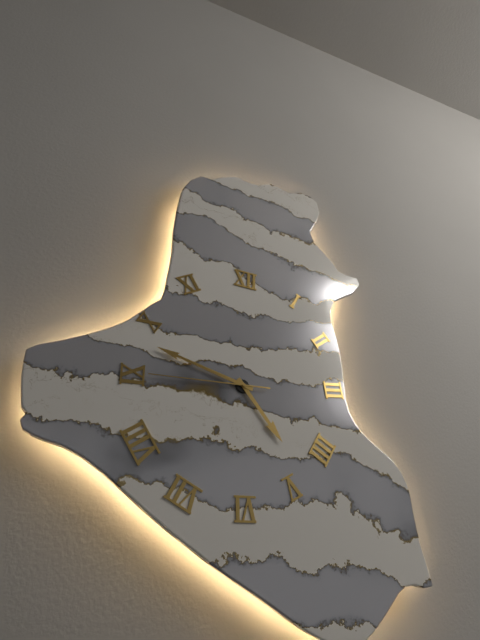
4:48:45
